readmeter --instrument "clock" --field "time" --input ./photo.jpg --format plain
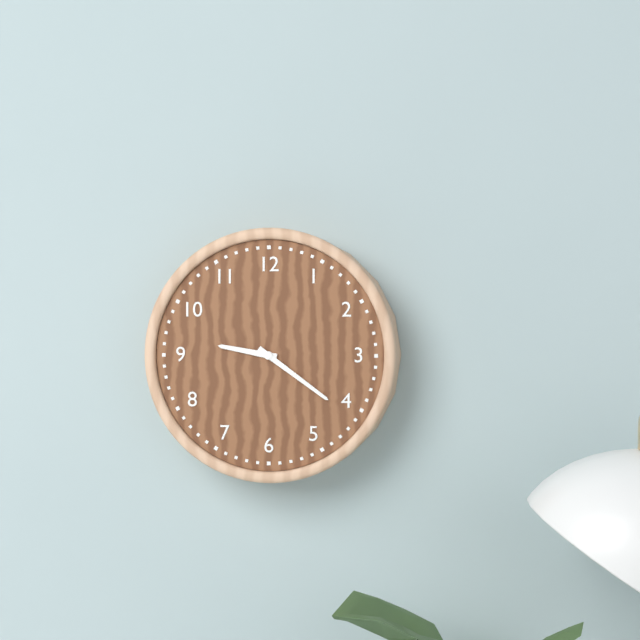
9:21
